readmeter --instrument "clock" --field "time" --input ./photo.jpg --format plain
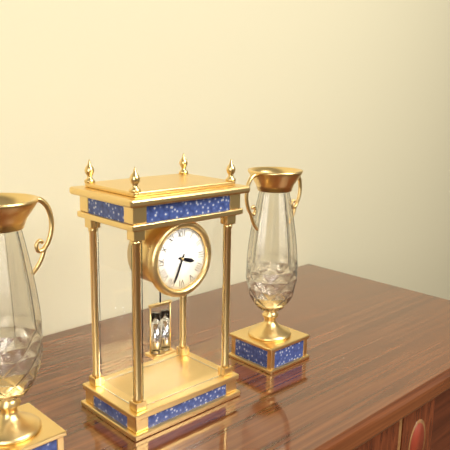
3:34
